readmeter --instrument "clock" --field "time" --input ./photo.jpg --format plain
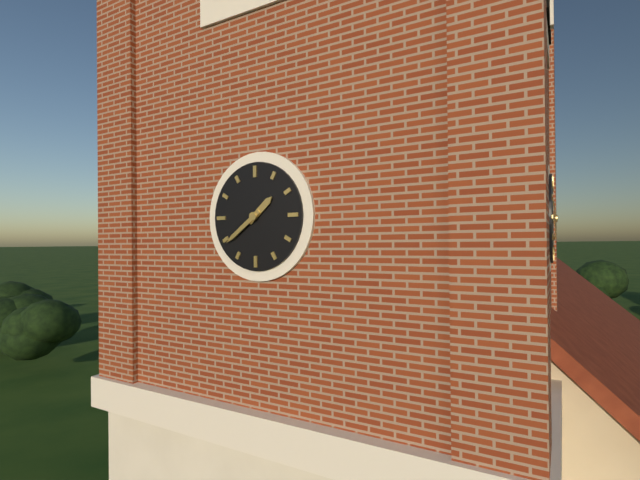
1:39
